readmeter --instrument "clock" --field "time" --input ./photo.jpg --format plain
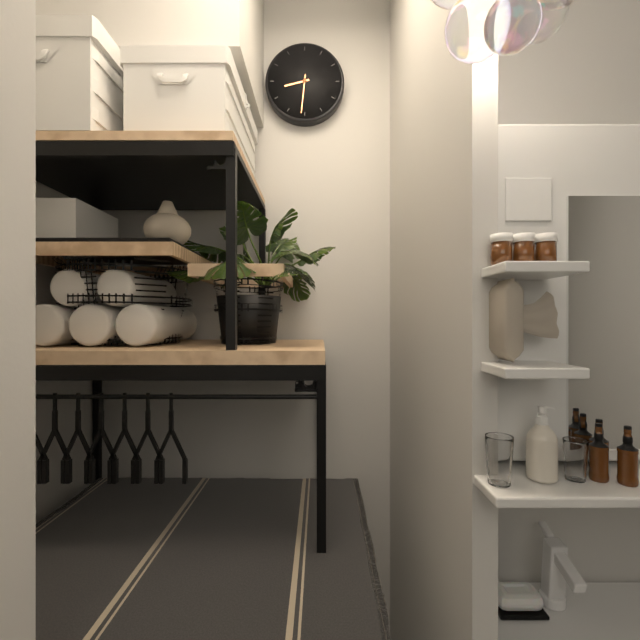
8:31
